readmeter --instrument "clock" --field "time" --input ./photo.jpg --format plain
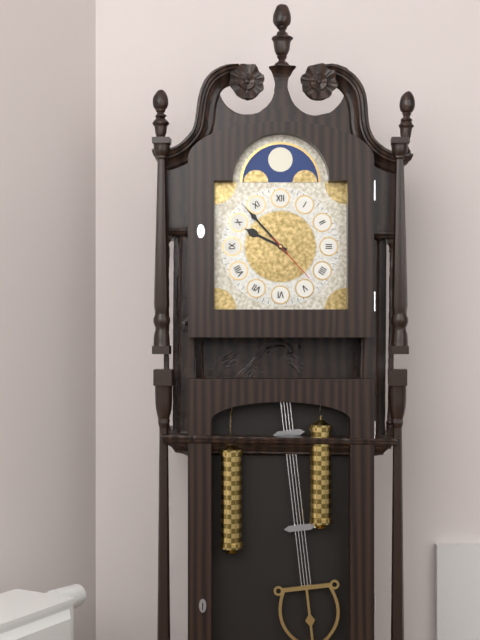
9:53:23
